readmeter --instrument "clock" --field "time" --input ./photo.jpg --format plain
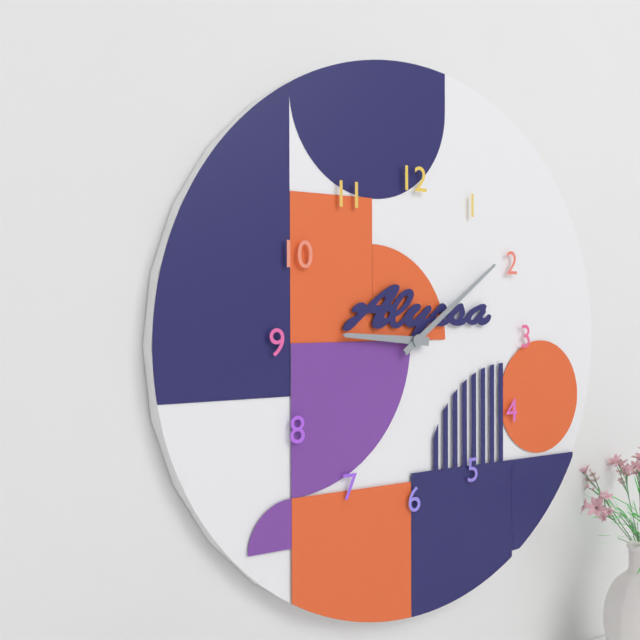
9:09
